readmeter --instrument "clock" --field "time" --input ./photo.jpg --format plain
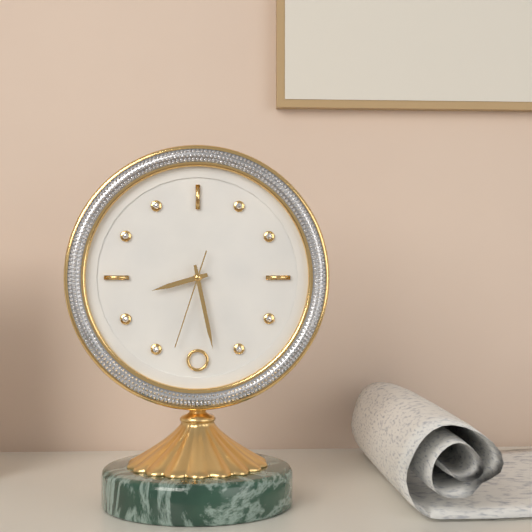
8:28:33
